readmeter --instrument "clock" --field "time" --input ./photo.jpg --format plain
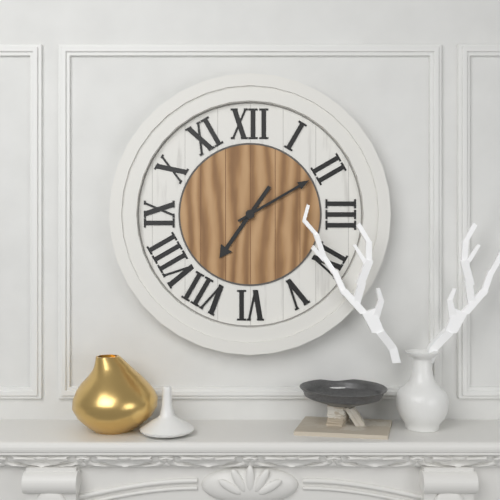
7:10
